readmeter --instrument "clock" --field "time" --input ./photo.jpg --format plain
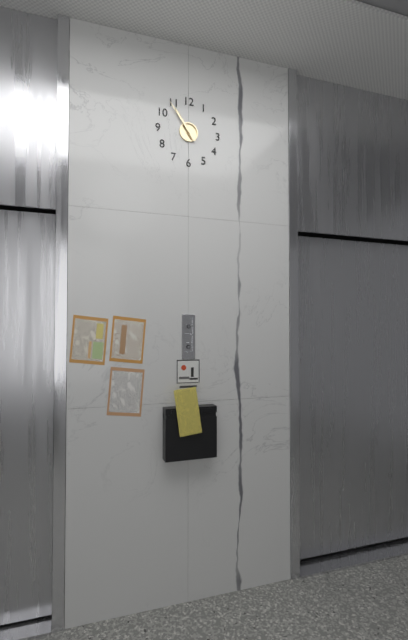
10:54
